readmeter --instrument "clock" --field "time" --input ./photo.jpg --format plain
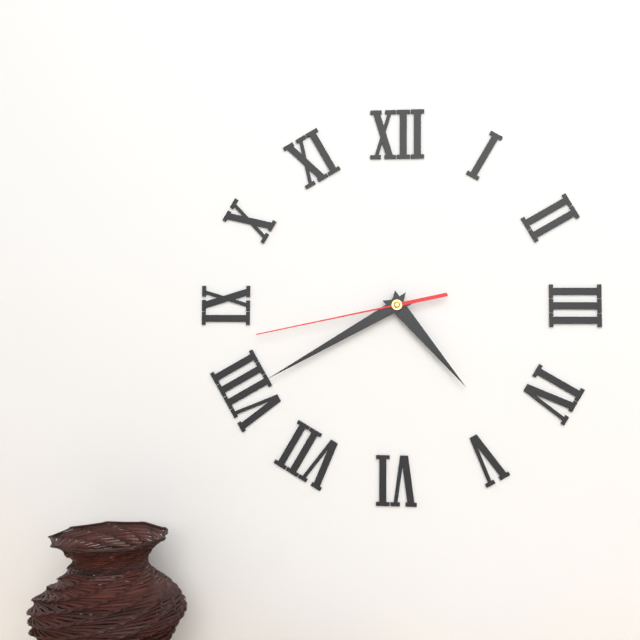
4:40:43
